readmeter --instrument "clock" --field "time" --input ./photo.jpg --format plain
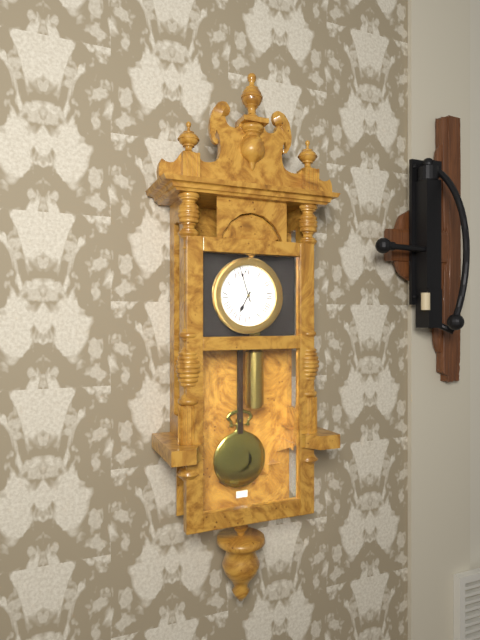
6:57
